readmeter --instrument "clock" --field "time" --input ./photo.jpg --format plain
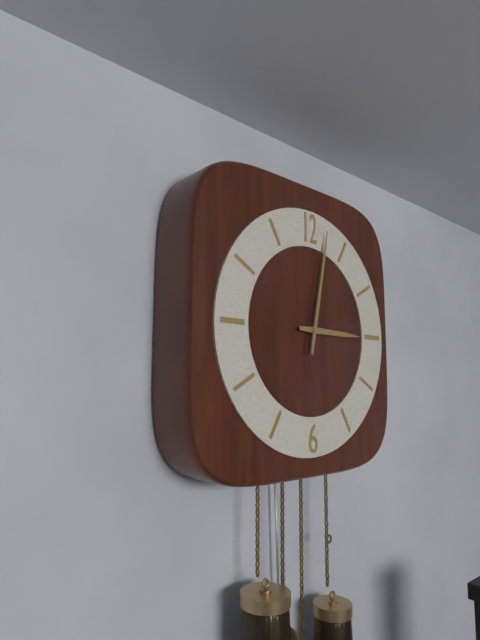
3:02
